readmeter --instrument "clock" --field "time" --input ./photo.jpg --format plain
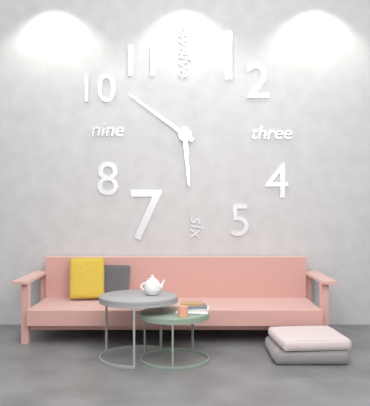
5:51
